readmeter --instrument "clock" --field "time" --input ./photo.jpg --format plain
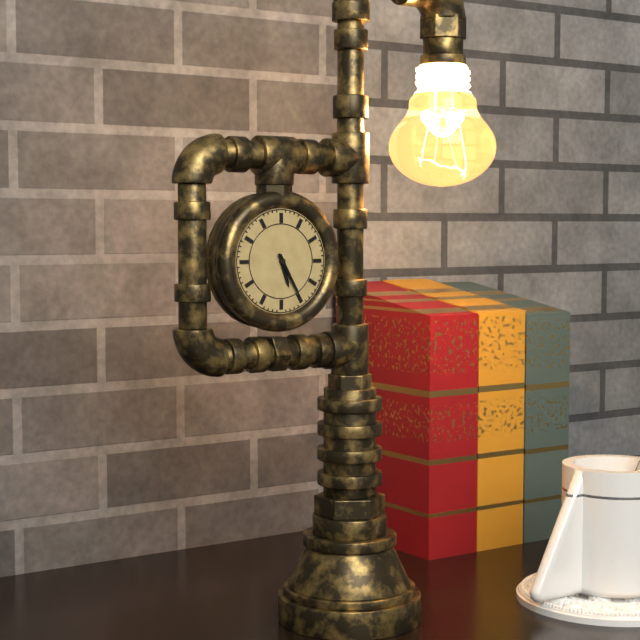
5:25
